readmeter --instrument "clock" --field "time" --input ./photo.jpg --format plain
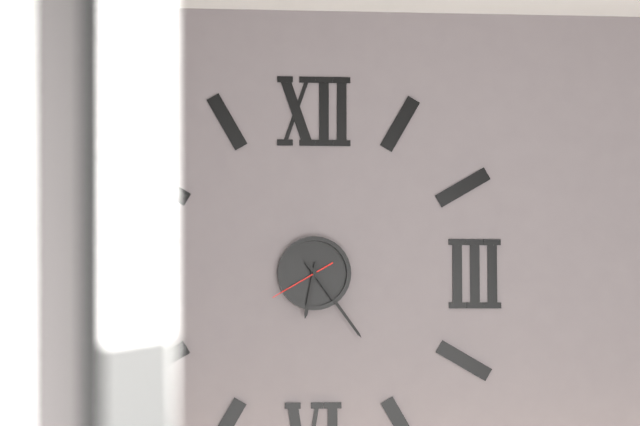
6:24:40
